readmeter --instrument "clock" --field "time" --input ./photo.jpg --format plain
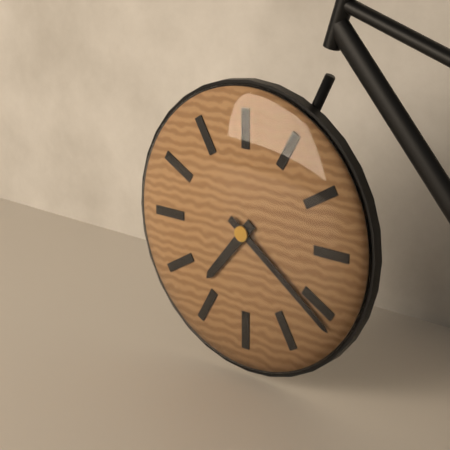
7:21
